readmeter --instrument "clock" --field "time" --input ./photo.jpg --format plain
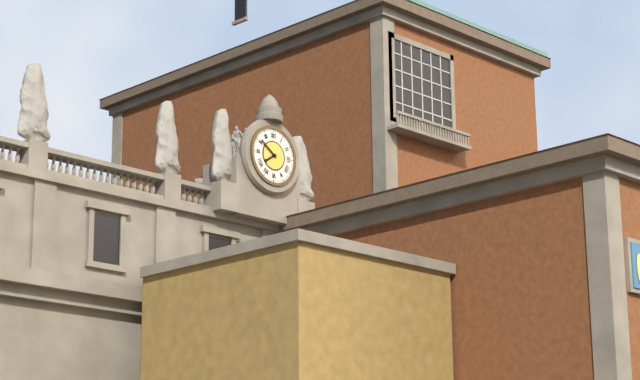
7:51
